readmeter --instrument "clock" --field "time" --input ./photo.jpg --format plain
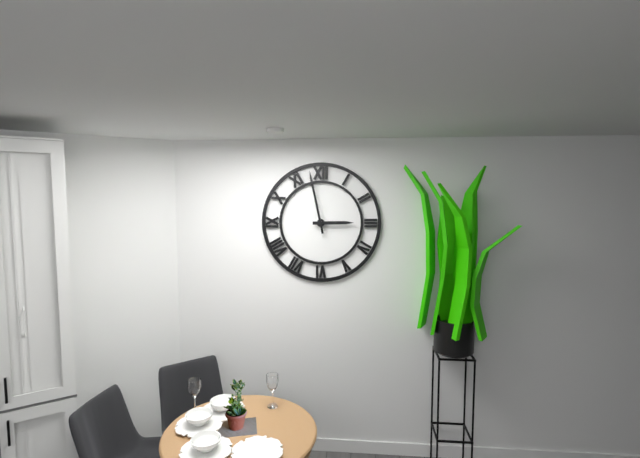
2:58
